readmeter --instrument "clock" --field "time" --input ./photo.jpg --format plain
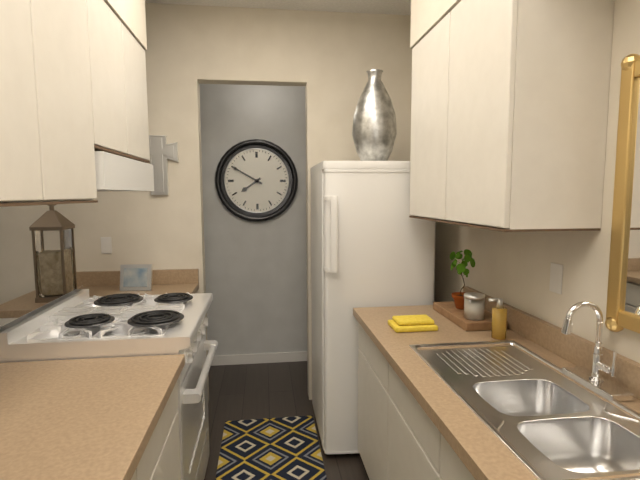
7:50
